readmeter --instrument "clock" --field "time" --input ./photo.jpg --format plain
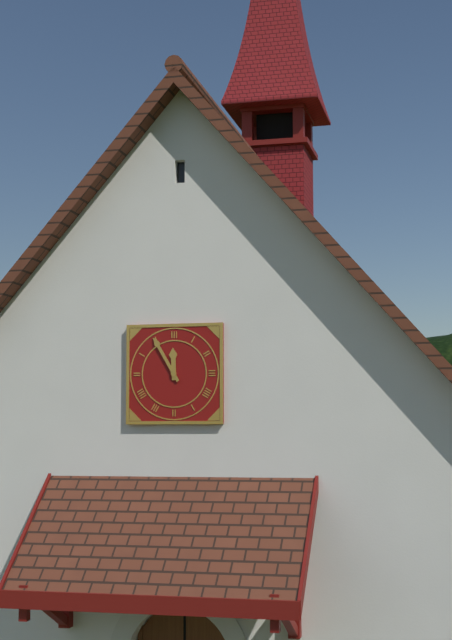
11:55
